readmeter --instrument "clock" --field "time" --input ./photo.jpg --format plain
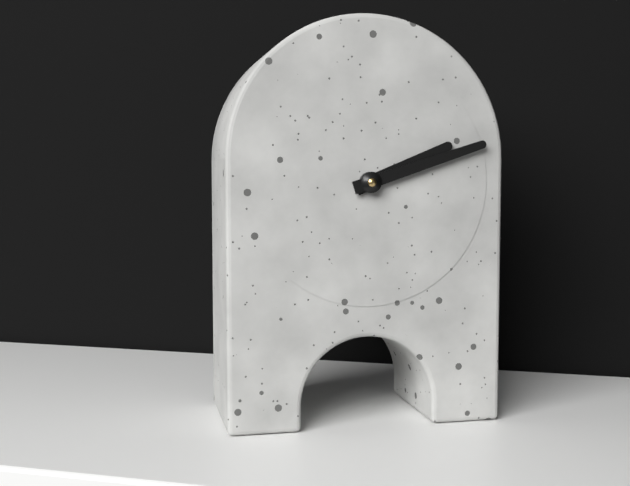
2:12
